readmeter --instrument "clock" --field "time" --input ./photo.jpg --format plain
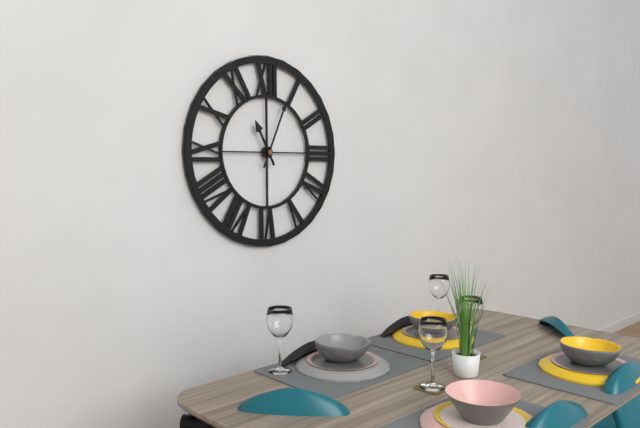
11:04
